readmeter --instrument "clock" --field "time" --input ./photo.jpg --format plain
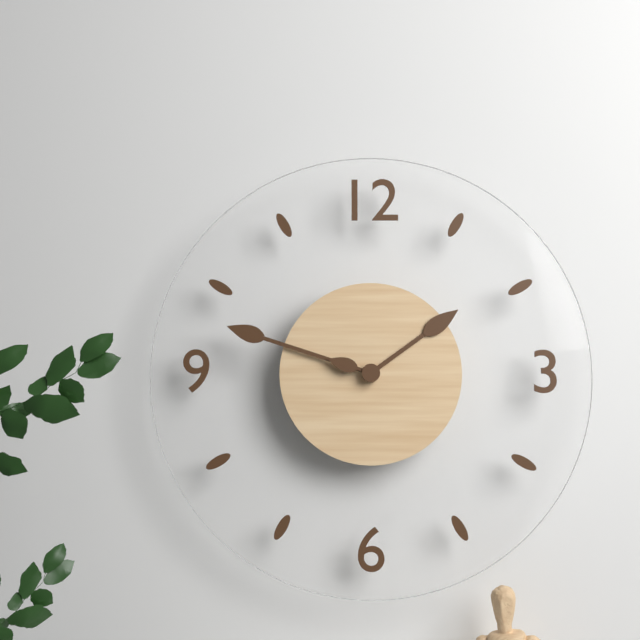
1:48:48
